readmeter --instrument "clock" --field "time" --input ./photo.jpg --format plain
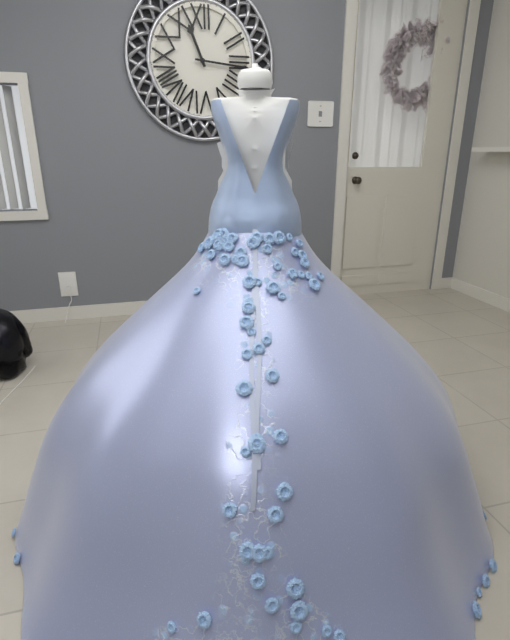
11:16
